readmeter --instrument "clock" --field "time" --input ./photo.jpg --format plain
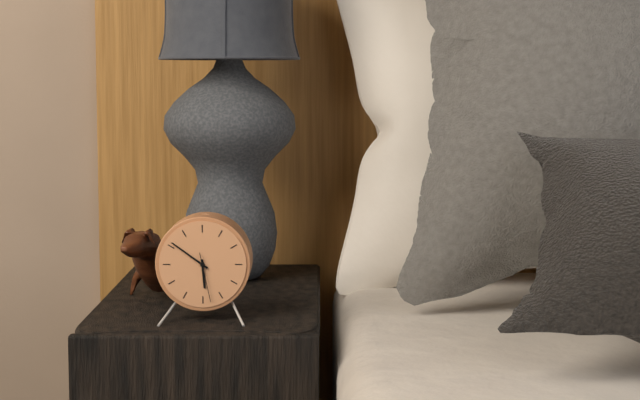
5:51
